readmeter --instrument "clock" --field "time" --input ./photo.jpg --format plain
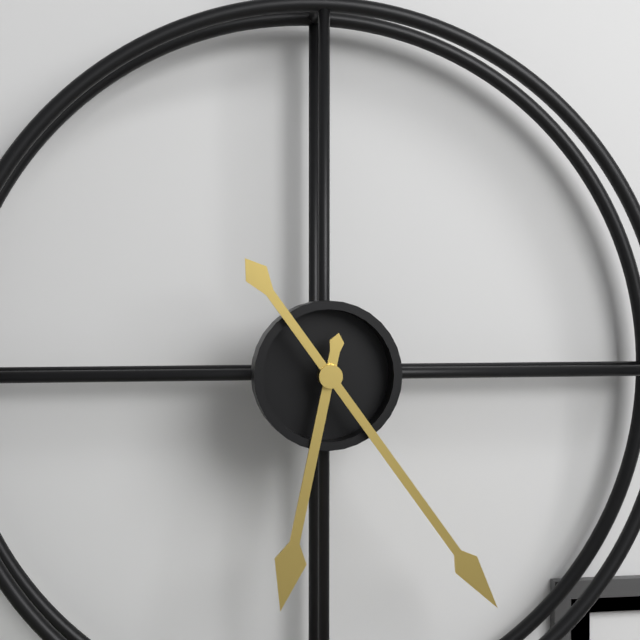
6:24
